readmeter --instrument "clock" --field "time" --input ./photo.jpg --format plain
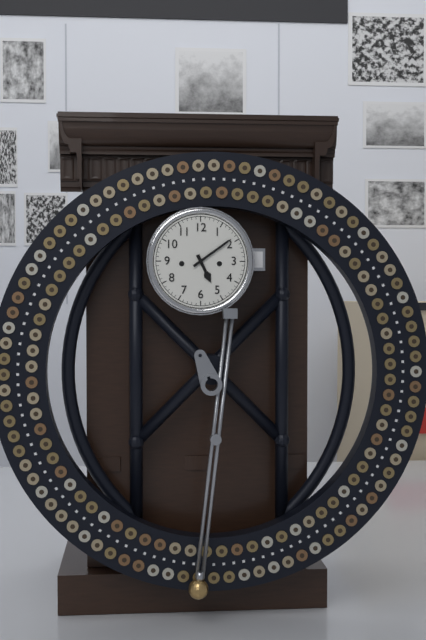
5:09
